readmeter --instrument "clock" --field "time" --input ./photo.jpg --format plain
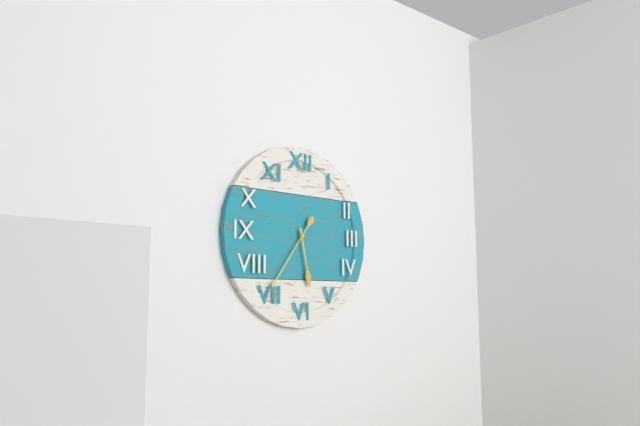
5:36
